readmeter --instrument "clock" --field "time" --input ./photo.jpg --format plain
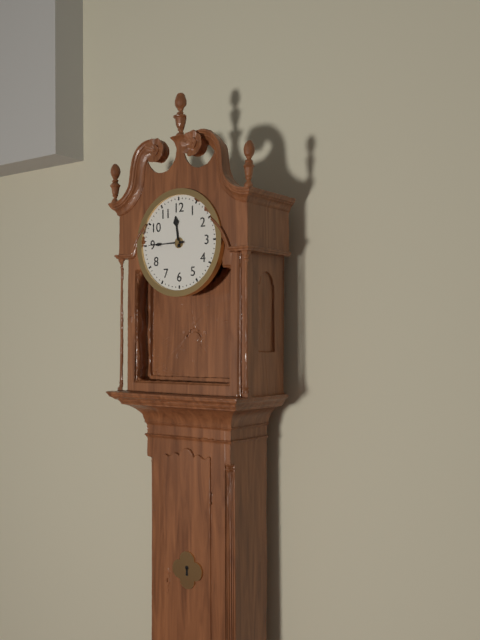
11:45
